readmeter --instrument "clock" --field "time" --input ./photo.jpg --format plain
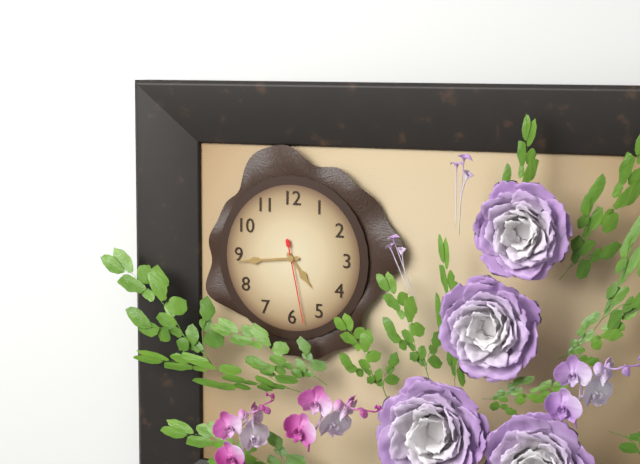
4:44:28
